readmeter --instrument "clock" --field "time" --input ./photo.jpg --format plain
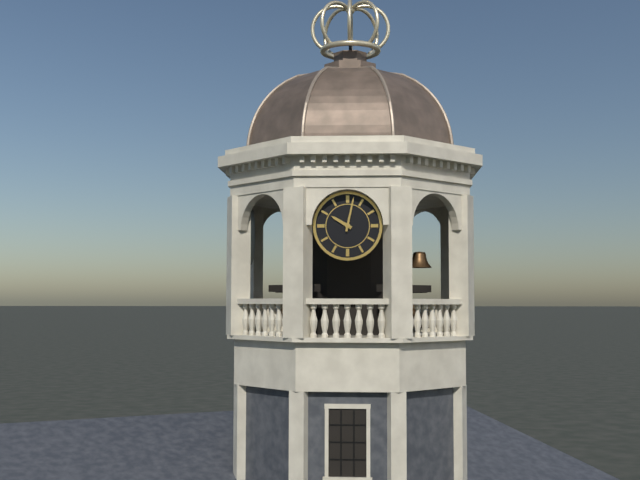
10:02
